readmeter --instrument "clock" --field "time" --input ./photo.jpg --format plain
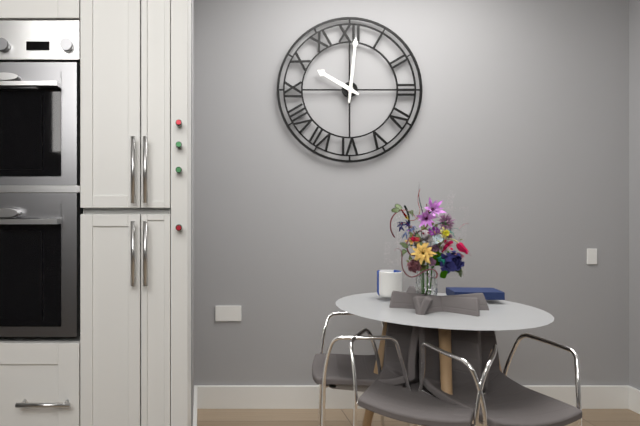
10:01
